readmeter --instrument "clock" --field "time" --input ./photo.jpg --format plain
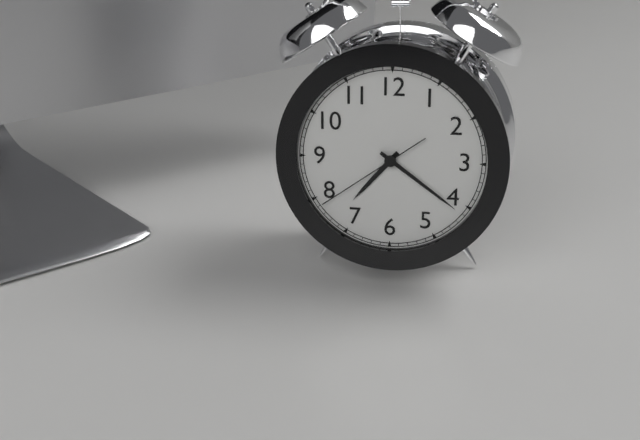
7:21:39
